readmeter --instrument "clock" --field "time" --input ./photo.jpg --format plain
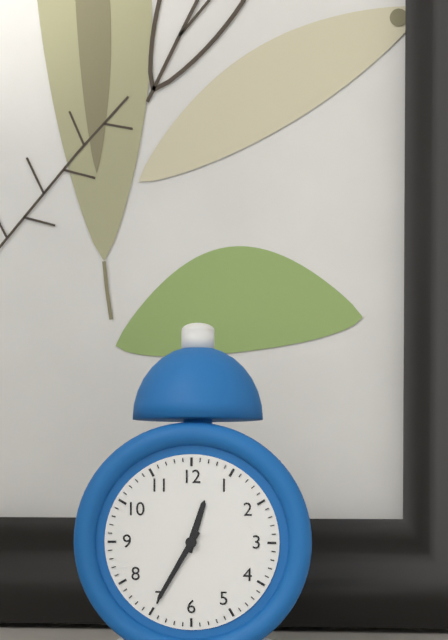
12:35
